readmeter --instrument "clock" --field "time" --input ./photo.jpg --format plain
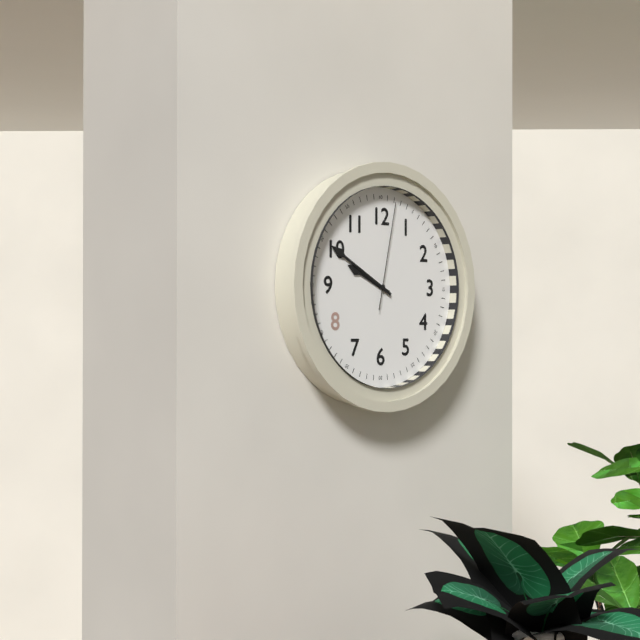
9:50:02
